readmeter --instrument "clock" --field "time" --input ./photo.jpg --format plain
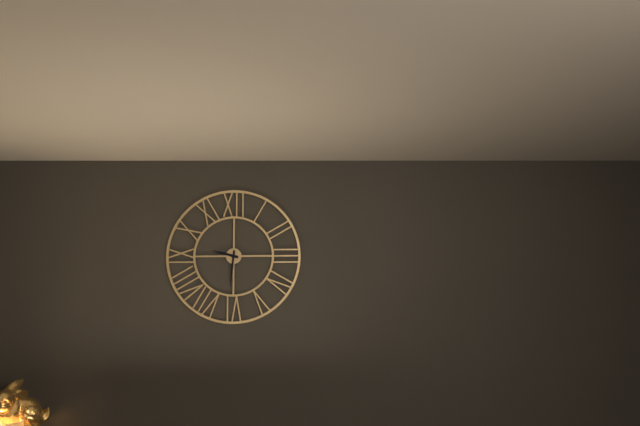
9:31
